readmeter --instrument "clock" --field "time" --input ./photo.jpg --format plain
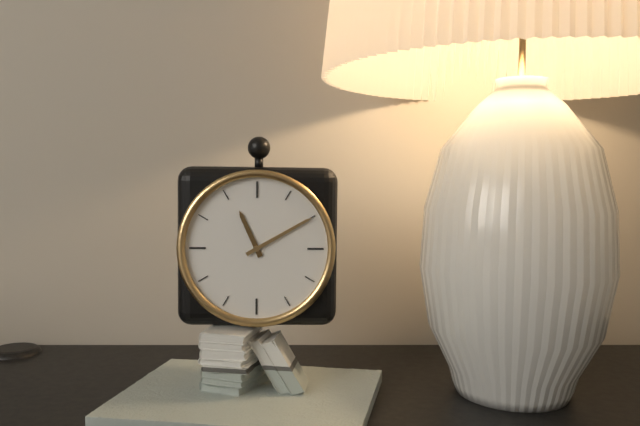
11:10
